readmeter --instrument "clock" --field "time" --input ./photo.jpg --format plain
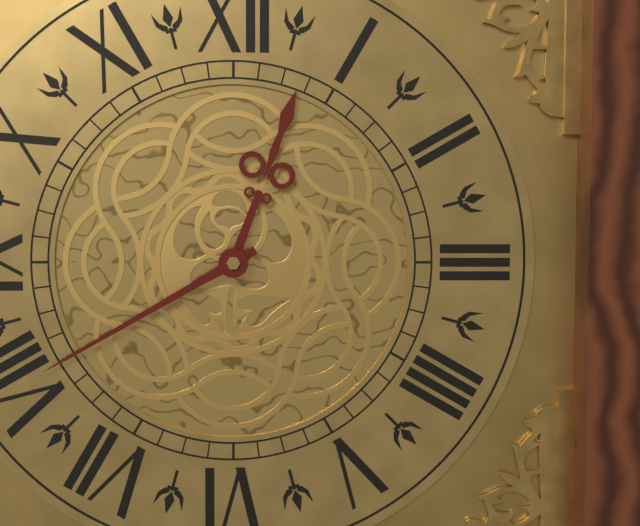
12:40
